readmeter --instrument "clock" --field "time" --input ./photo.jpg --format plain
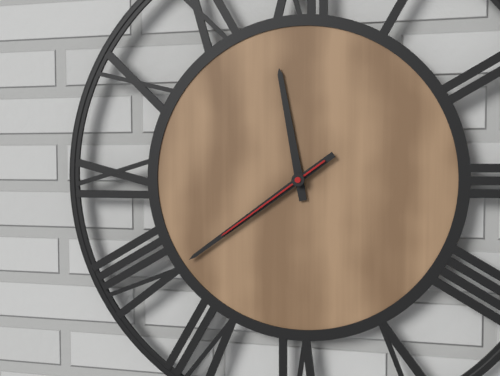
11:39:39
